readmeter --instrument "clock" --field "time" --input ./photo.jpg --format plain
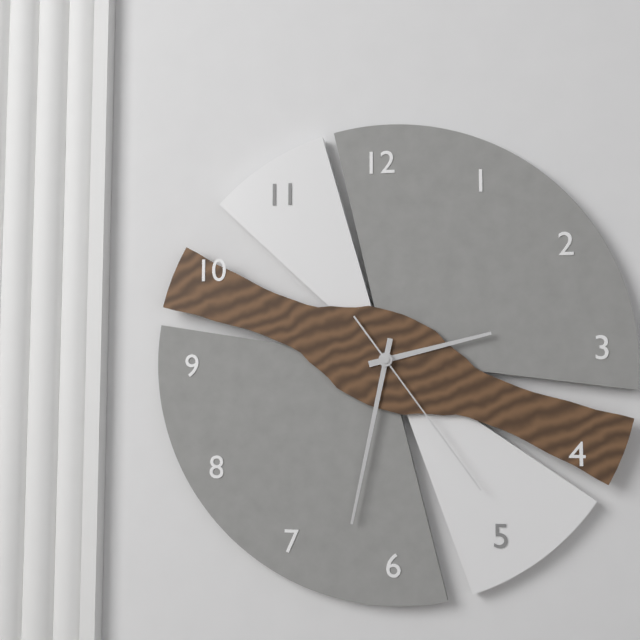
2:32:24
